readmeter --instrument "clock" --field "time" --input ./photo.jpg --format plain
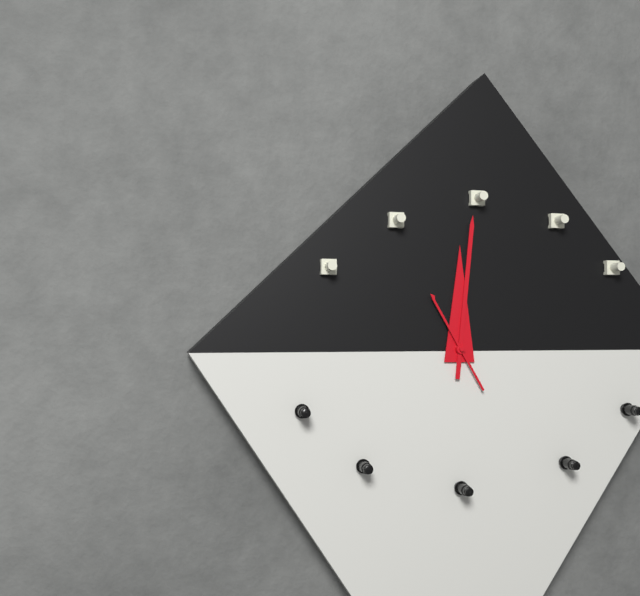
12:01:55
